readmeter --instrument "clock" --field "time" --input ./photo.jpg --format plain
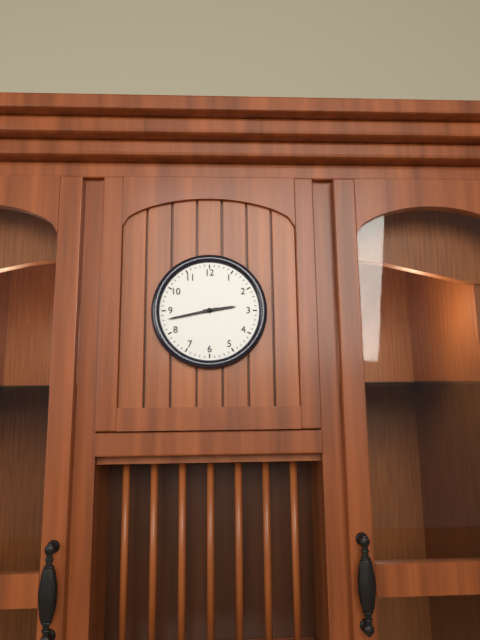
2:43
